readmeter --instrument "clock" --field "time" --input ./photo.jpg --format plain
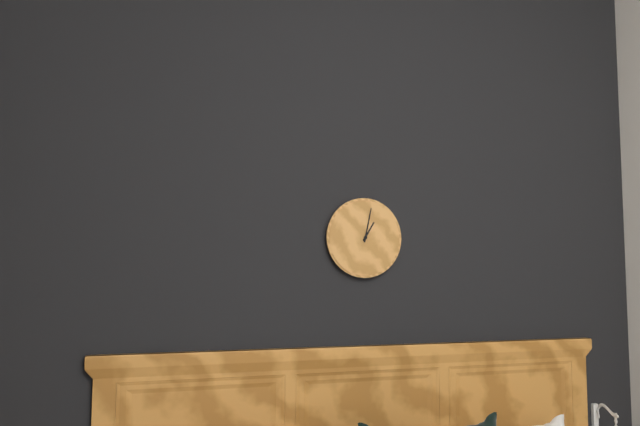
1:02
